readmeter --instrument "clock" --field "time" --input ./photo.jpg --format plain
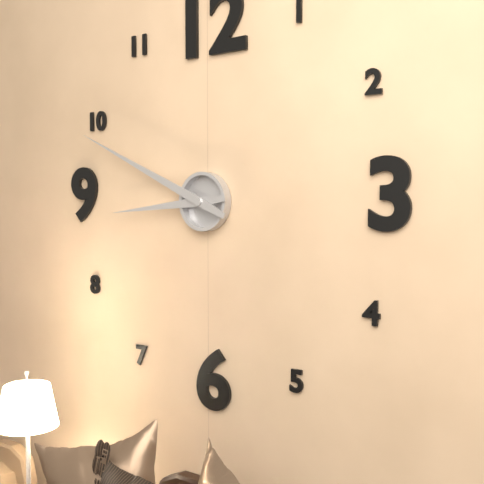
8:49
